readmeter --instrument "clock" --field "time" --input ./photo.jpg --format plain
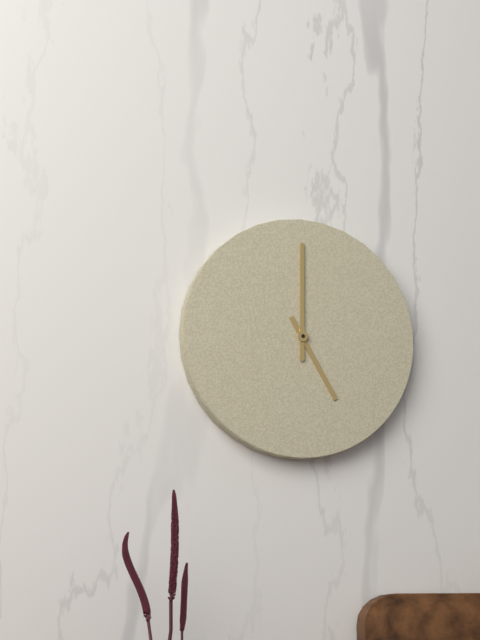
5:00
